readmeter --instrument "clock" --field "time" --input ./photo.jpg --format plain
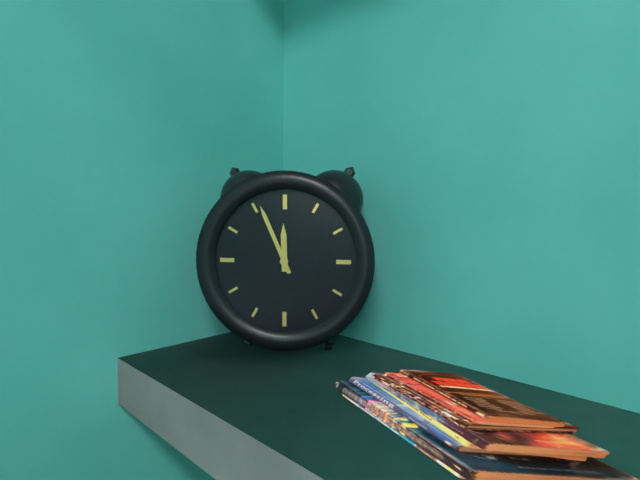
11:56
